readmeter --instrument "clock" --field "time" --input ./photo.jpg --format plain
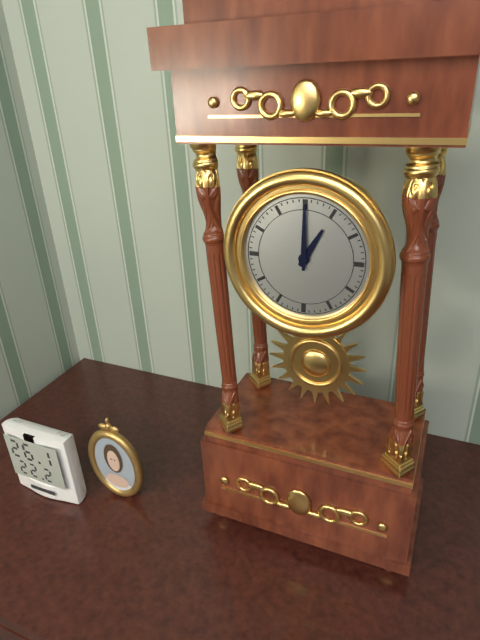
1:00
